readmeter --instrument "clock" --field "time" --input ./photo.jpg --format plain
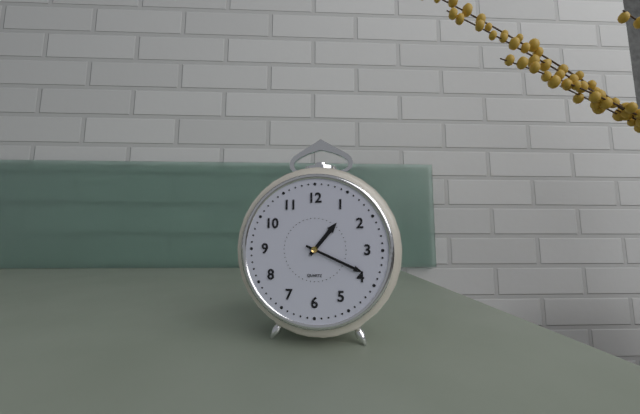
1:19
